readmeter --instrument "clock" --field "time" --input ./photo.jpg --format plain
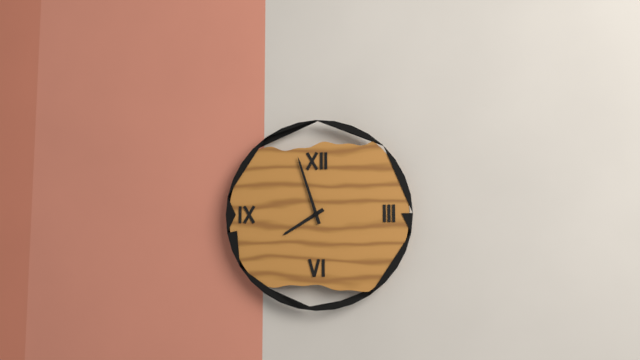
7:57
